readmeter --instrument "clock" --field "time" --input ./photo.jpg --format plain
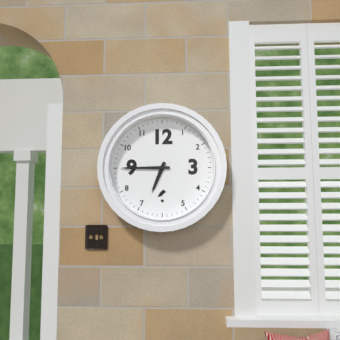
6:45
